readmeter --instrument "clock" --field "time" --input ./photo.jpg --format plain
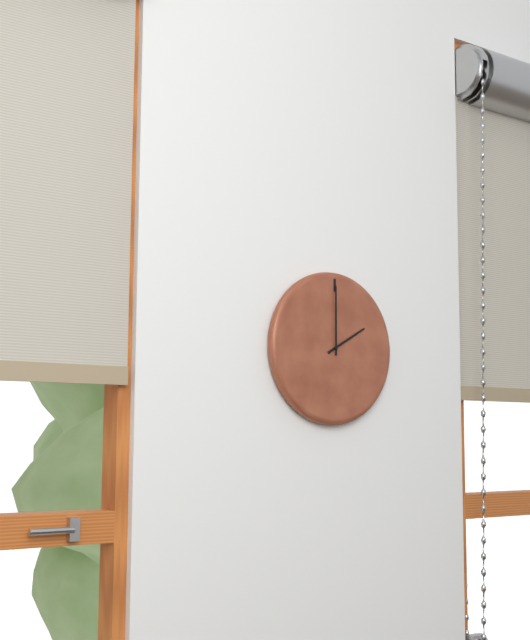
2:00
